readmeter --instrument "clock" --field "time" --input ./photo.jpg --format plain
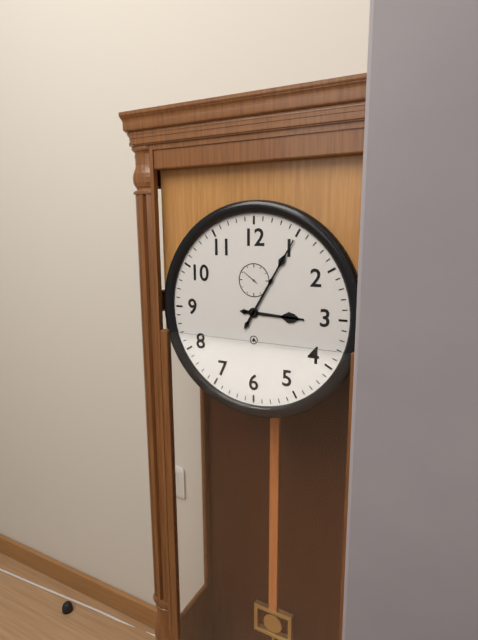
3:05
